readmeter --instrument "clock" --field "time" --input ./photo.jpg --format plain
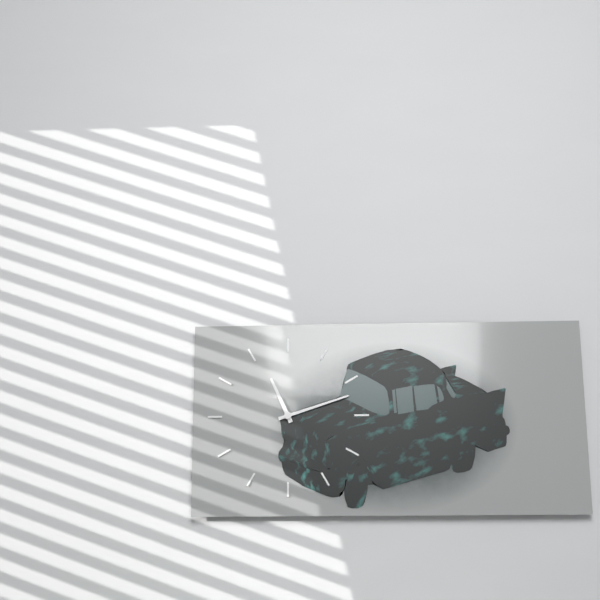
11:12
